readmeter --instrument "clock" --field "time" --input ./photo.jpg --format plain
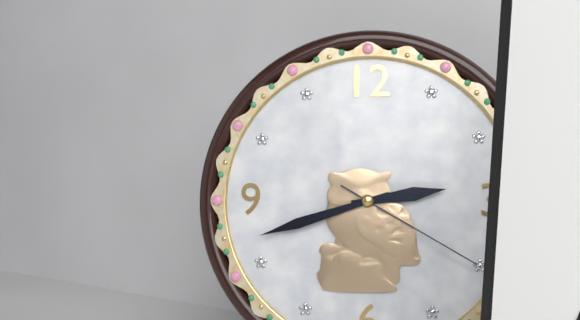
2:42:20
